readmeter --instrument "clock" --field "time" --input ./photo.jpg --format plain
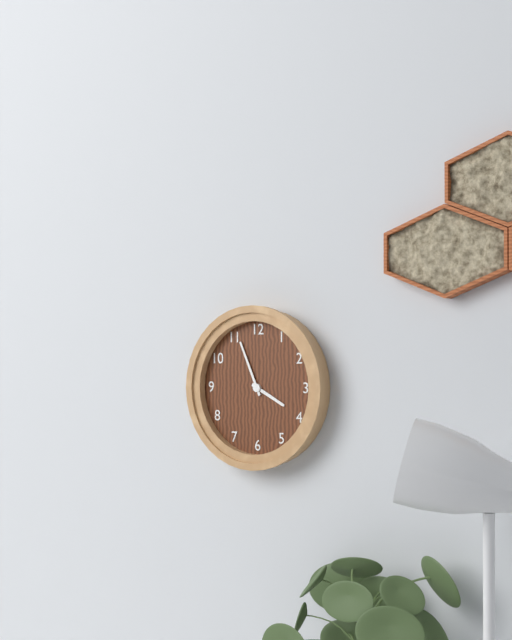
3:56
